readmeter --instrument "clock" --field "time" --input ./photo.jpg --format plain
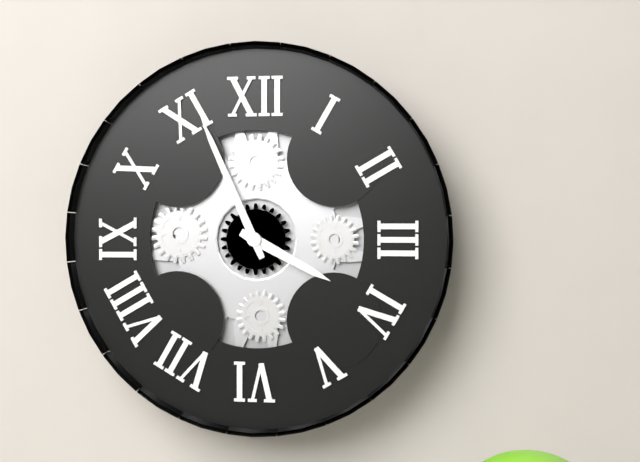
3:56
